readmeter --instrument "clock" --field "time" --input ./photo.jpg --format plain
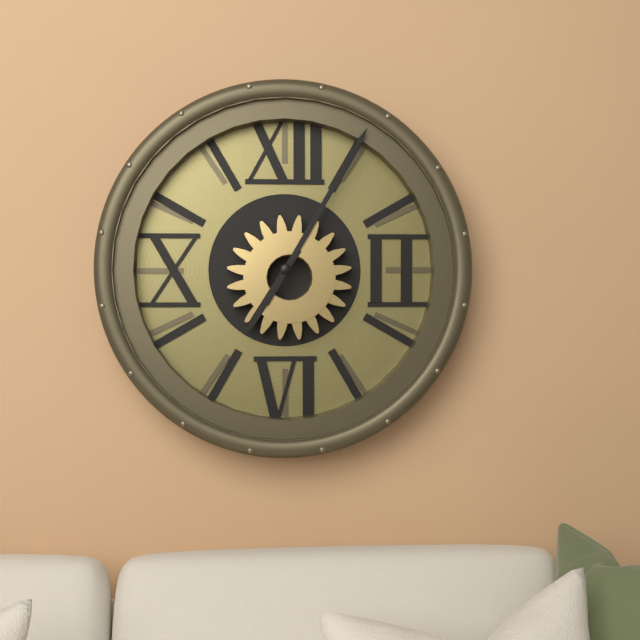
7:05
